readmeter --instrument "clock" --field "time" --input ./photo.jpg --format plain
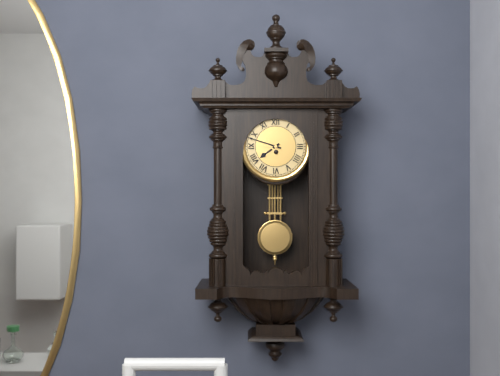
7:48
